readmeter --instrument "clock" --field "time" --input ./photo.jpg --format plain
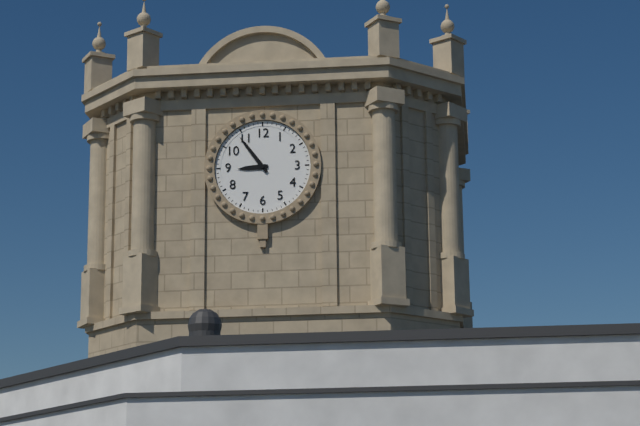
8:54
